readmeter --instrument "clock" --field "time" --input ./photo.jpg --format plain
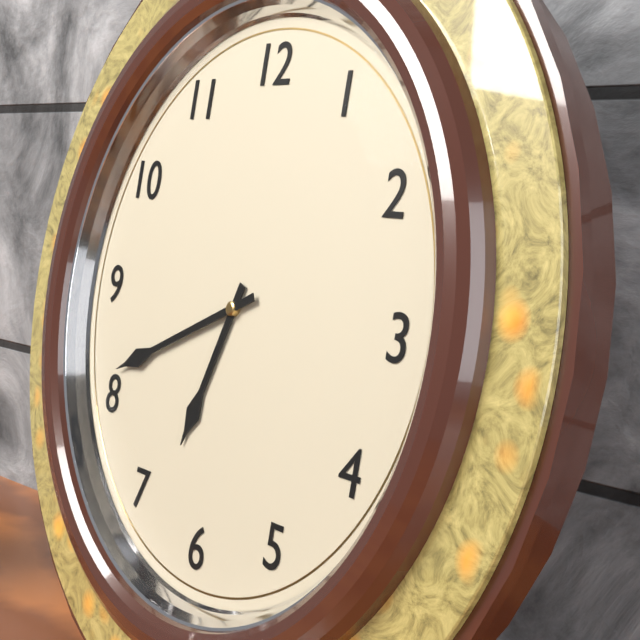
6:41
